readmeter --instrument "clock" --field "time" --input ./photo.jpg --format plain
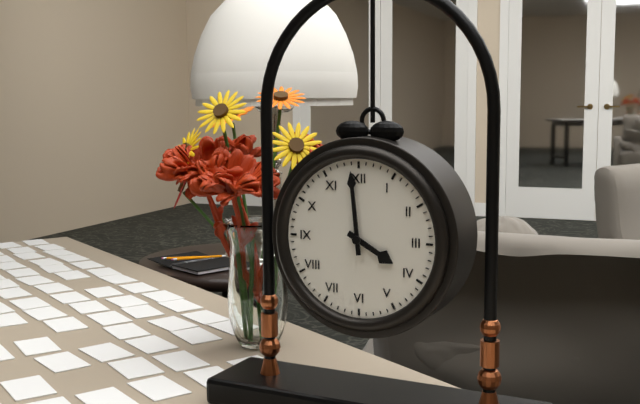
3:59
